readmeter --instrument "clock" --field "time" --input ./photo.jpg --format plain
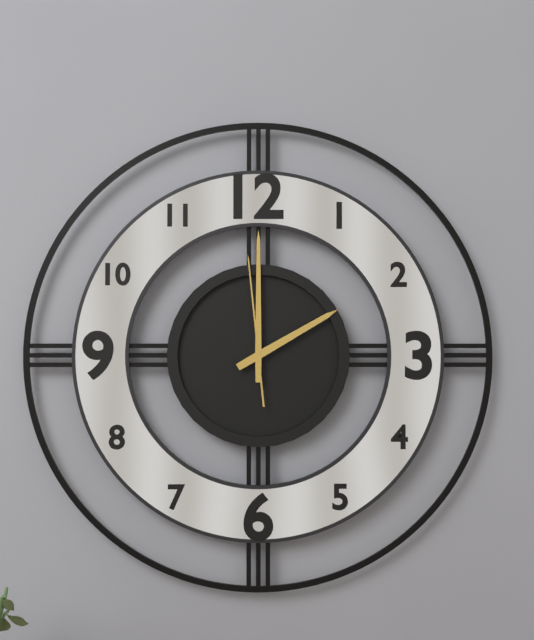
2:00:59
